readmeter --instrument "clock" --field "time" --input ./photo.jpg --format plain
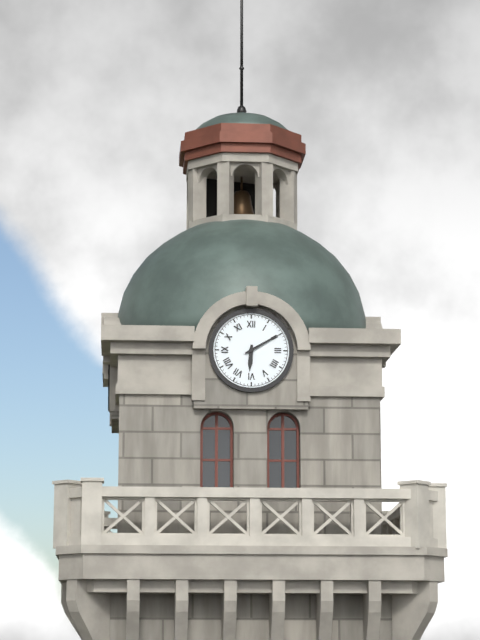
6:10
